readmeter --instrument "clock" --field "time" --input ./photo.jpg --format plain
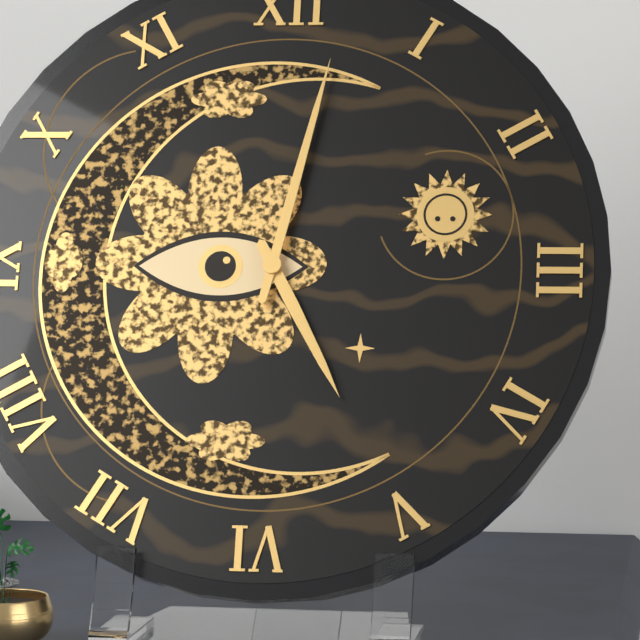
5:02
